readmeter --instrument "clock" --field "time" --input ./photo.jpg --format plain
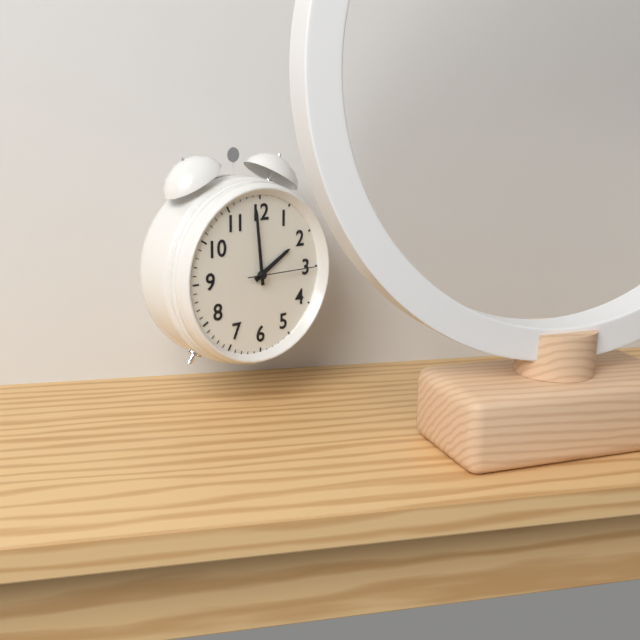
1:59:15
